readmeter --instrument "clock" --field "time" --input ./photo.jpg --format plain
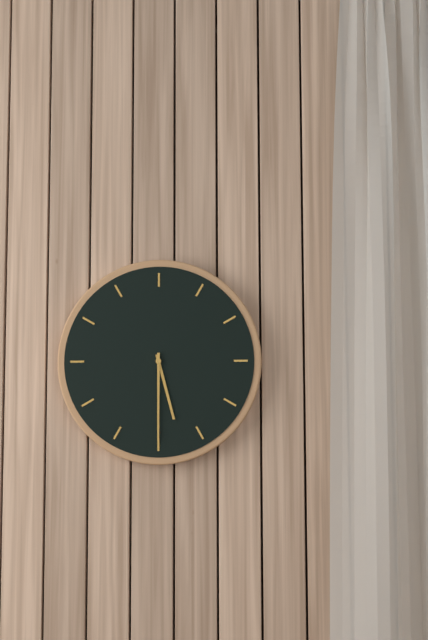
5:30
